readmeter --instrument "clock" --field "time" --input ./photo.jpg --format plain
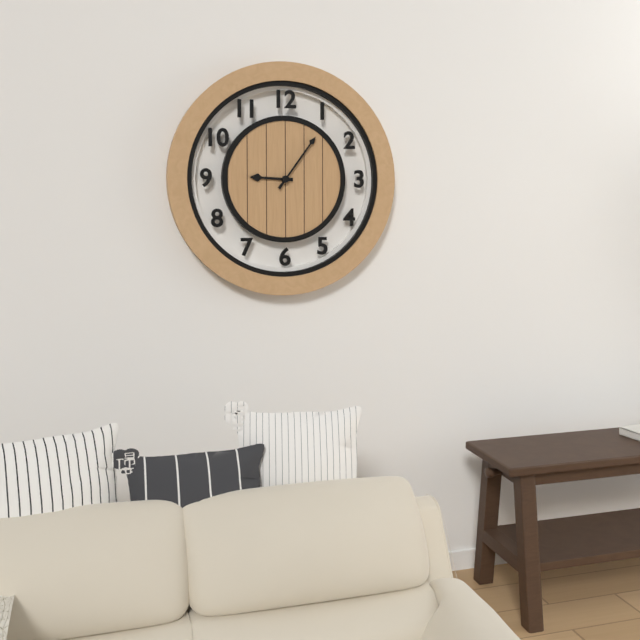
9:06
